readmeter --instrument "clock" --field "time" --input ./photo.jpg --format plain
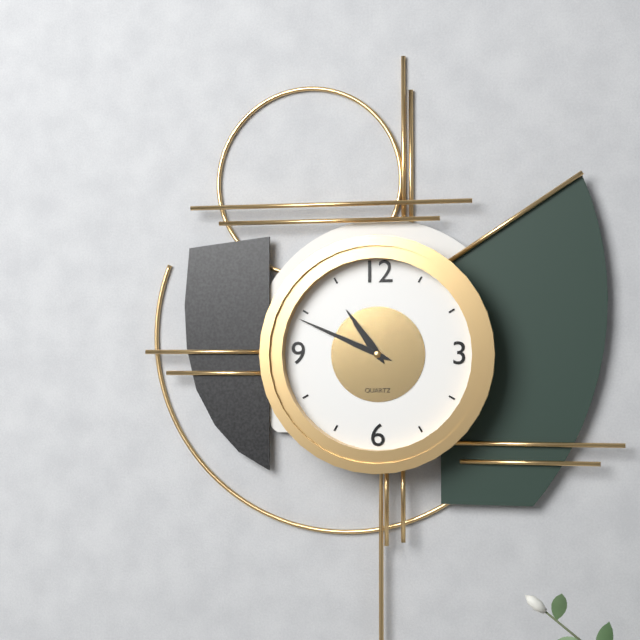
10:49
